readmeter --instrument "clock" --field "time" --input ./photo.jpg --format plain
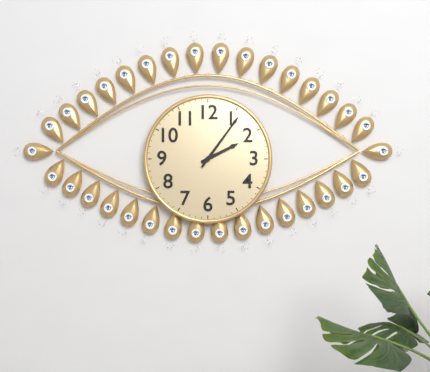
2:06
